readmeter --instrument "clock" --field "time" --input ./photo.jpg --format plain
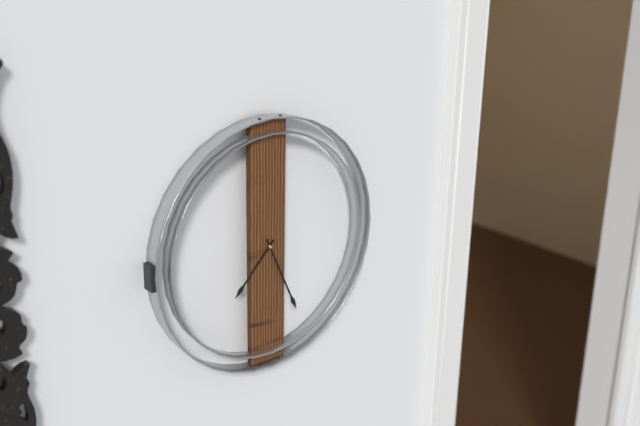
7:26
